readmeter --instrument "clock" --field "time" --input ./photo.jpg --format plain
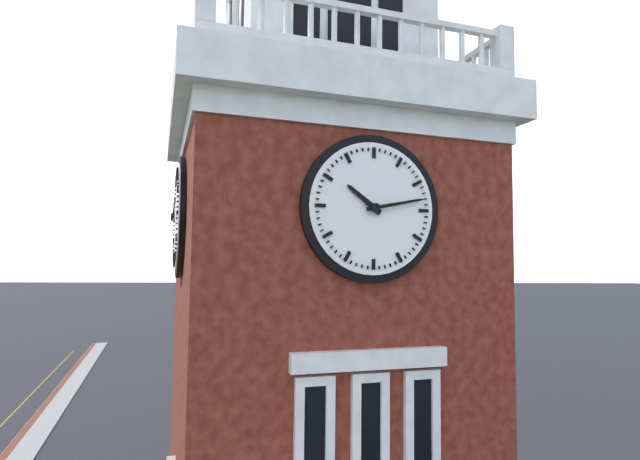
10:13
